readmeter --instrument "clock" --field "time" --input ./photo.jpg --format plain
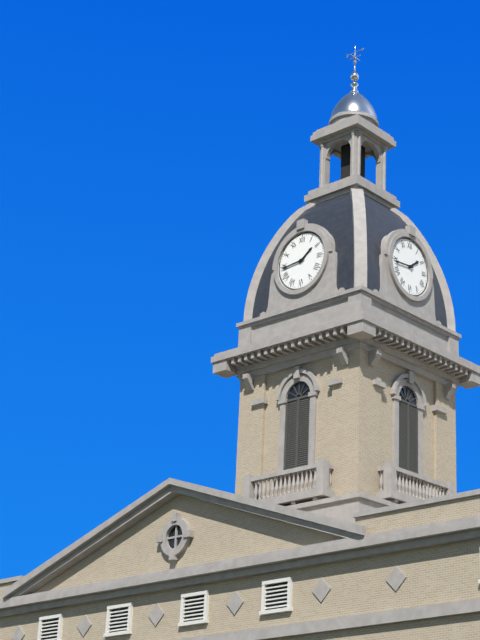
1:44
